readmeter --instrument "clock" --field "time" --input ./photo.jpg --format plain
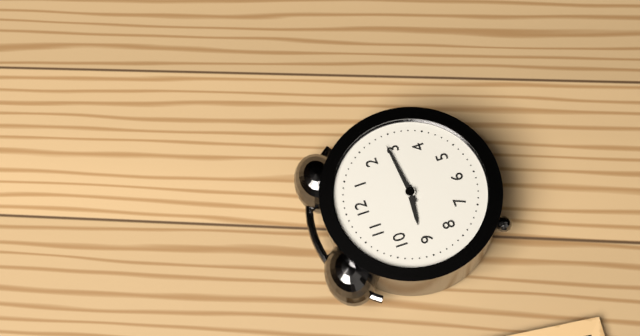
9:14
